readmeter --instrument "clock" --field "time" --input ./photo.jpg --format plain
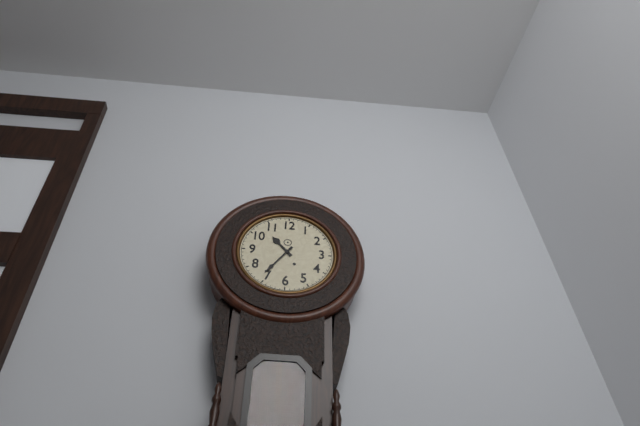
10:36
